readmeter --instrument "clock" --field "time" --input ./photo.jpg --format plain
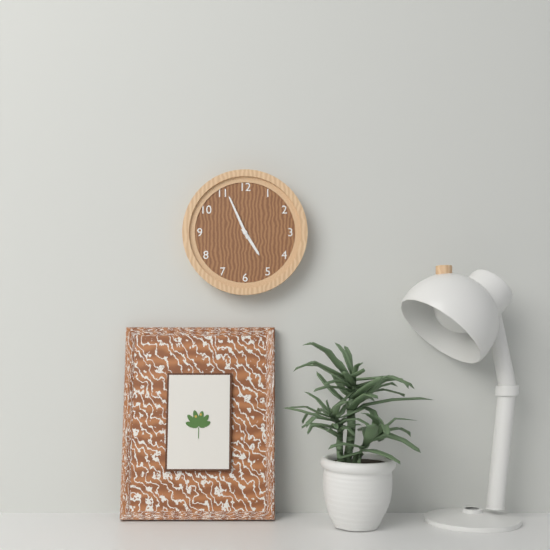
4:56
